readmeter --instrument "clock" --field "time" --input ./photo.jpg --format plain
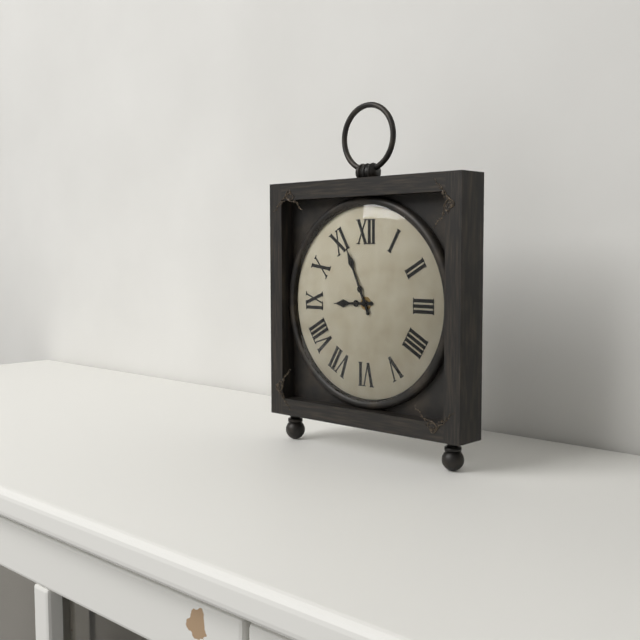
8:56
